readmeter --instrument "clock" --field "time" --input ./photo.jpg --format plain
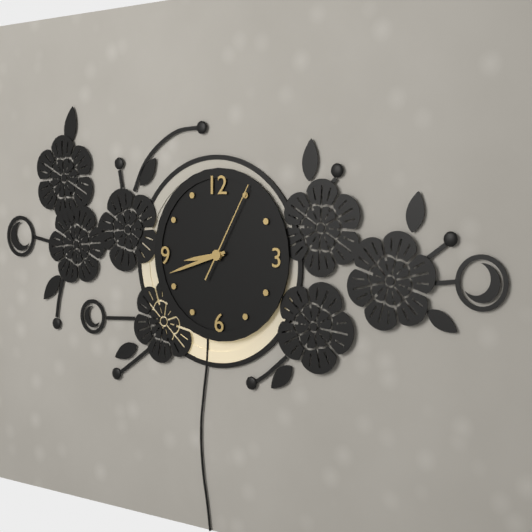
8:42:05
